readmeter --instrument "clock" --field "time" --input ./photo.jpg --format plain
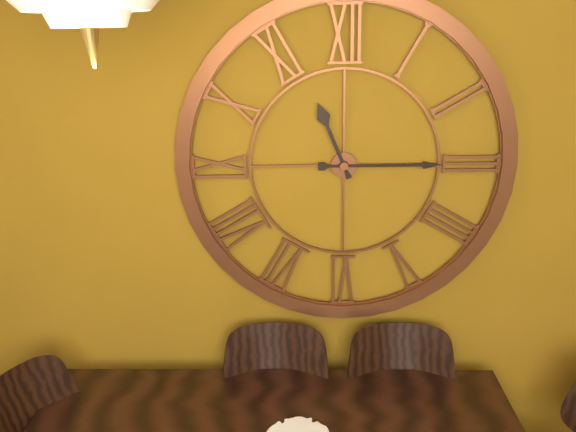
11:15
